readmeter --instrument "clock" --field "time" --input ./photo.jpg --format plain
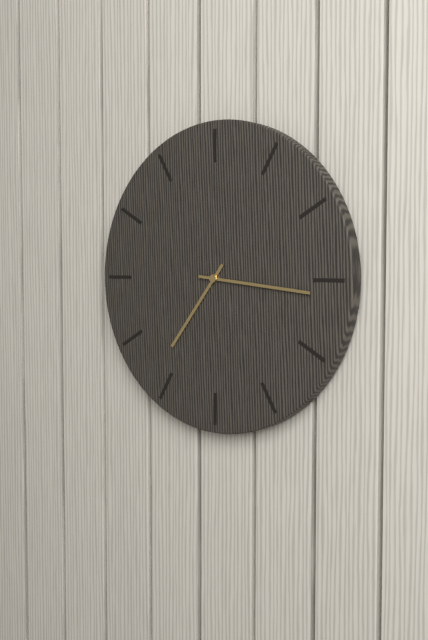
7:16
